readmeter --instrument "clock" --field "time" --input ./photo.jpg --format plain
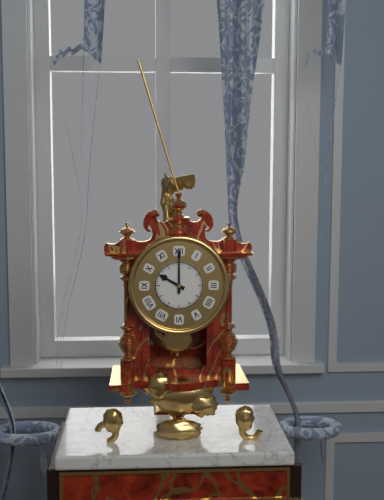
10:00
